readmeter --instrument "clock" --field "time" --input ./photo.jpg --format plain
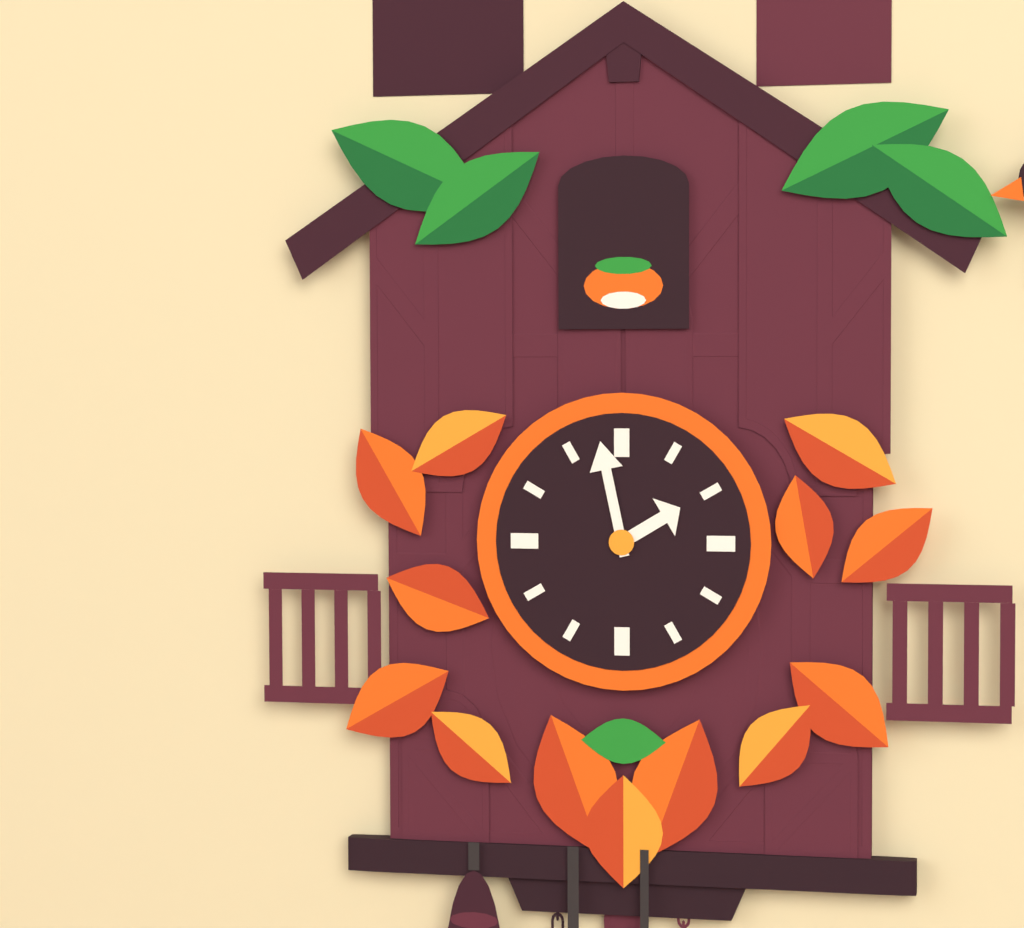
1:58
